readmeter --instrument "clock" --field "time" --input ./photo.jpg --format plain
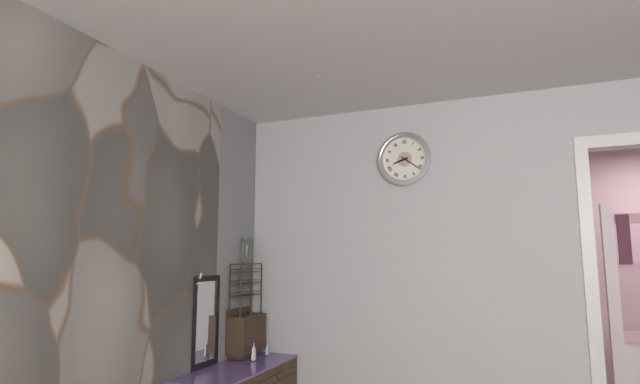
8:21
